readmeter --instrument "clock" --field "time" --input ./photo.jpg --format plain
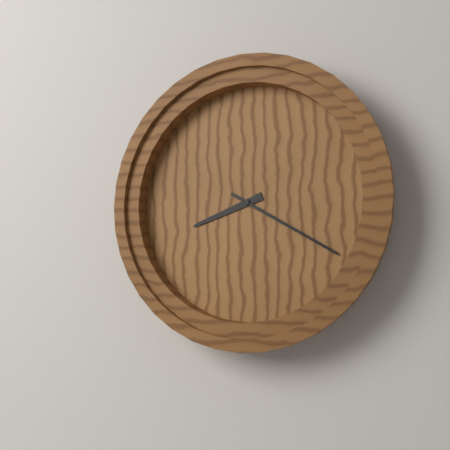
8:20
